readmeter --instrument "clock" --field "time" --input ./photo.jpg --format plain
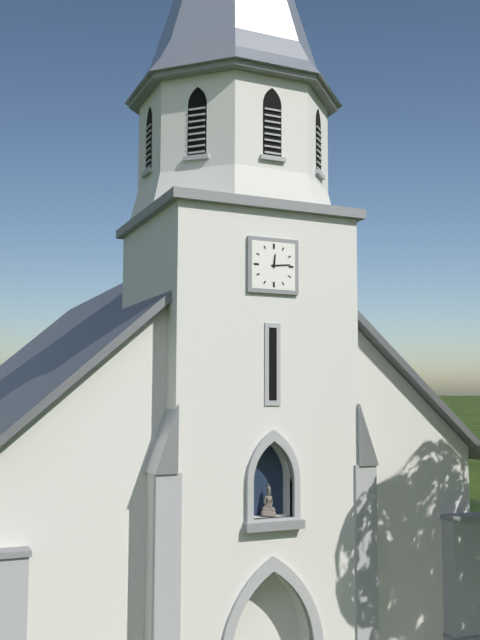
12:14
